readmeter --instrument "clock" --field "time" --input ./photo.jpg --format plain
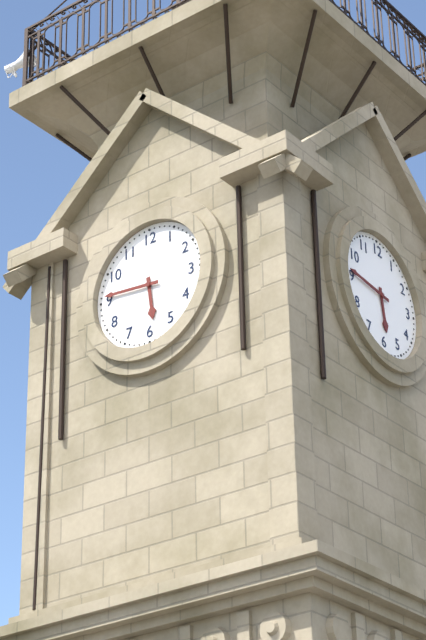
5:46
